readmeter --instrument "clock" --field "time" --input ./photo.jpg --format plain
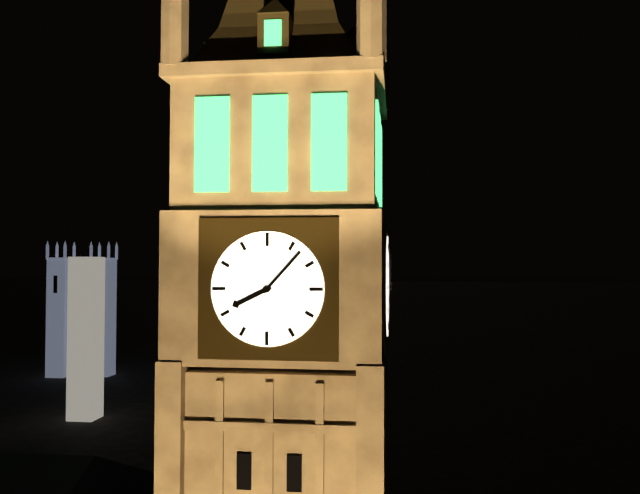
8:07
